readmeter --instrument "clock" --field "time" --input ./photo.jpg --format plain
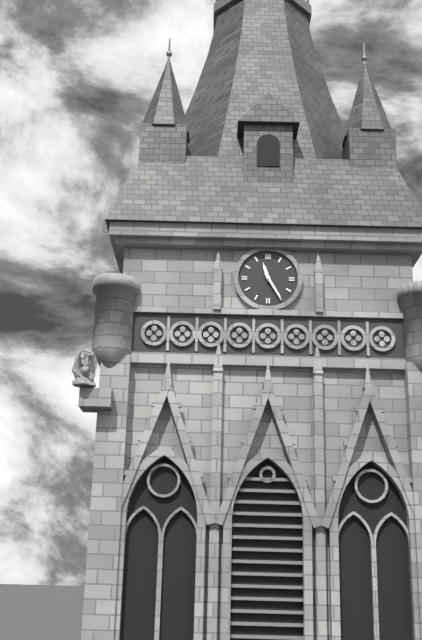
11:25
